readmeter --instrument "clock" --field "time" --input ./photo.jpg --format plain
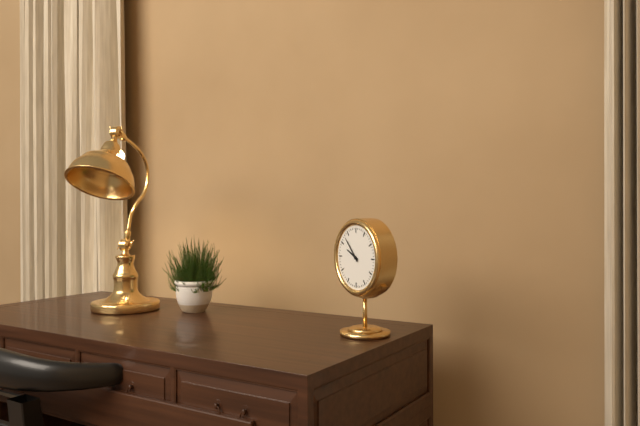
9:53
